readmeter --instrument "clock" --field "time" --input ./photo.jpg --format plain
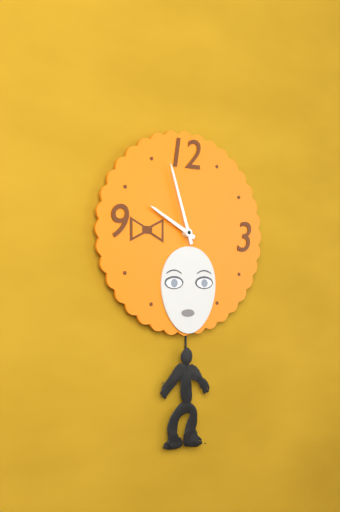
9:57
